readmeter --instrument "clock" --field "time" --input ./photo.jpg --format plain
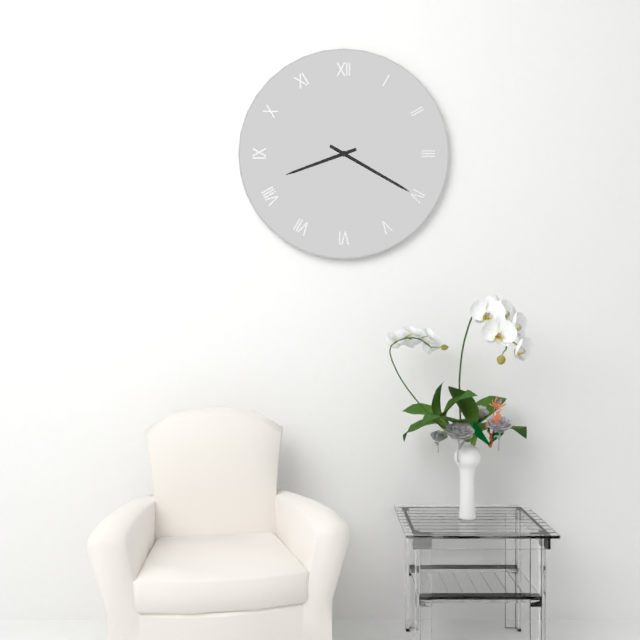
8:20
